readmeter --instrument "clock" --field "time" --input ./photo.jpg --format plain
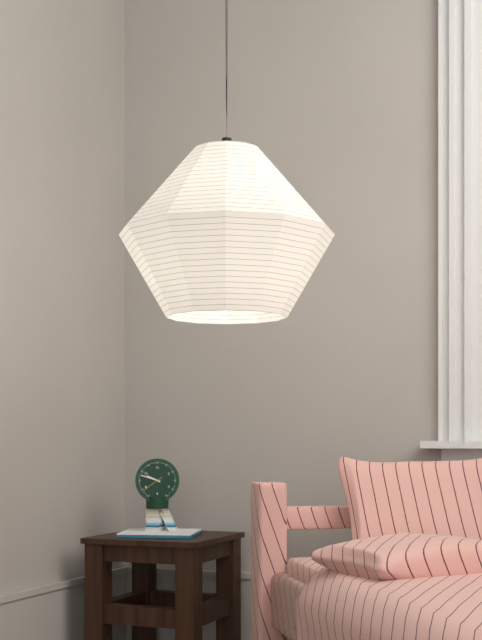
9:48
